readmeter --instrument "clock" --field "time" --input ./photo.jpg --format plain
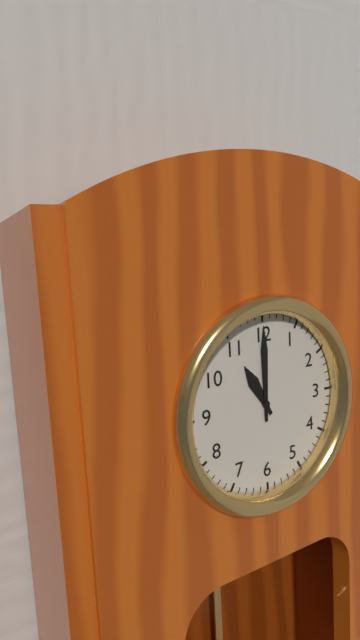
11:00
